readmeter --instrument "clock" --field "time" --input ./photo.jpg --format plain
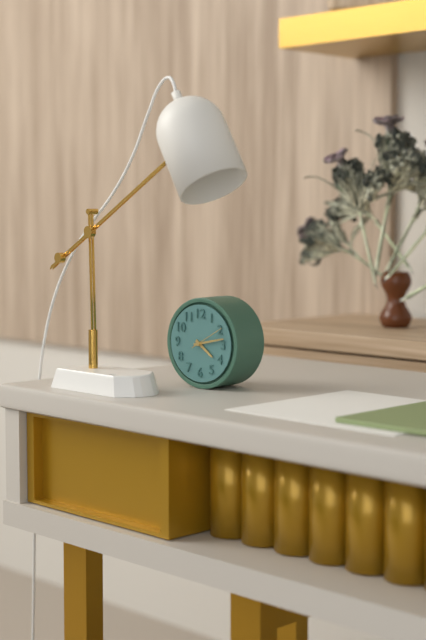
4:13
